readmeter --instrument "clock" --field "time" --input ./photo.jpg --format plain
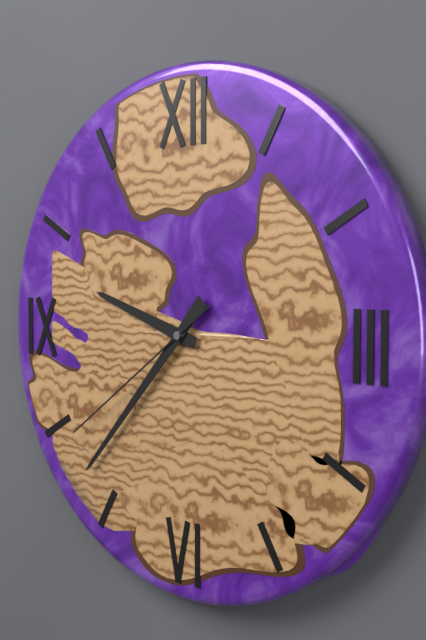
9:37:39
